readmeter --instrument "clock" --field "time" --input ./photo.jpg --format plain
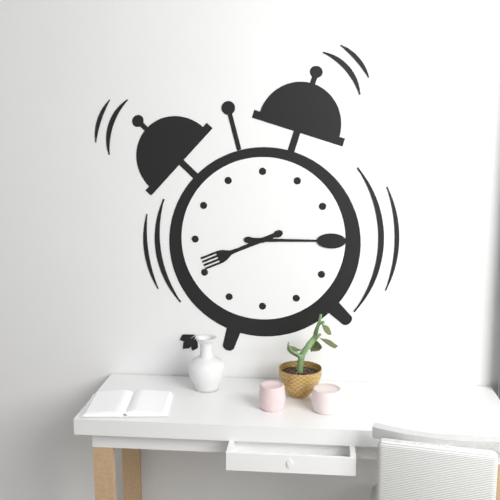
8:15
